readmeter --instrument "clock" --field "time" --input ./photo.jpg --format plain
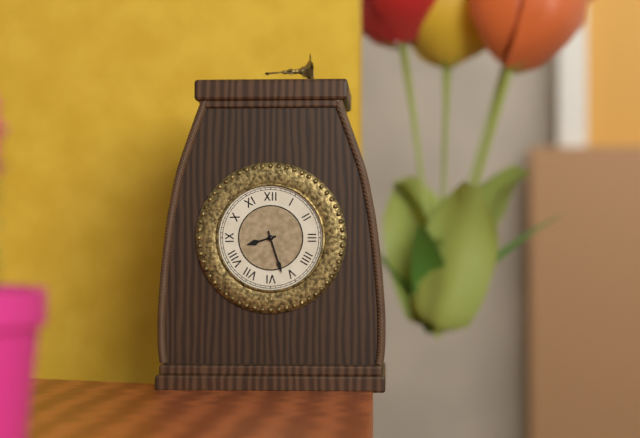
8:27
